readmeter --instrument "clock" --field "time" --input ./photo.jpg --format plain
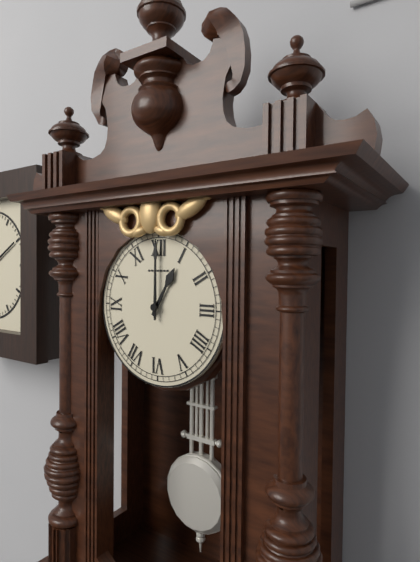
1:00
